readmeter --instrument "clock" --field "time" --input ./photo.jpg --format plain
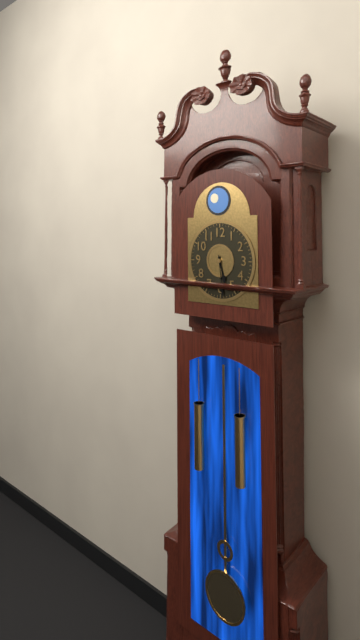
5:29
